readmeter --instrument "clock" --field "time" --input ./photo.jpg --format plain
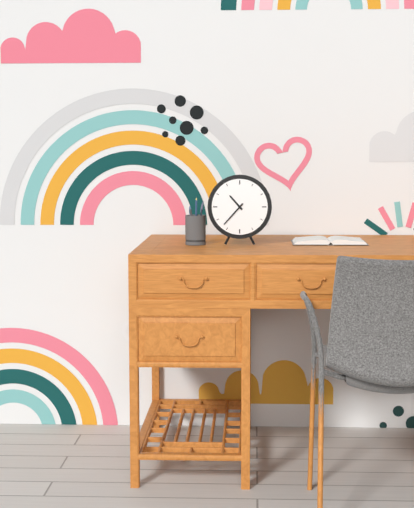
10:37
